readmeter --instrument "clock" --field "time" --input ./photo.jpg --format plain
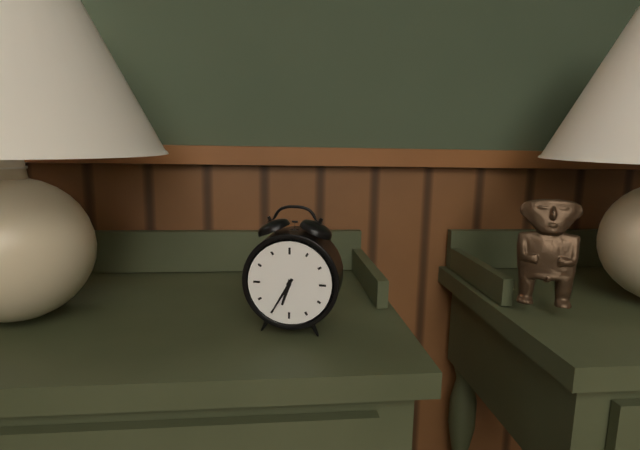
6:35
